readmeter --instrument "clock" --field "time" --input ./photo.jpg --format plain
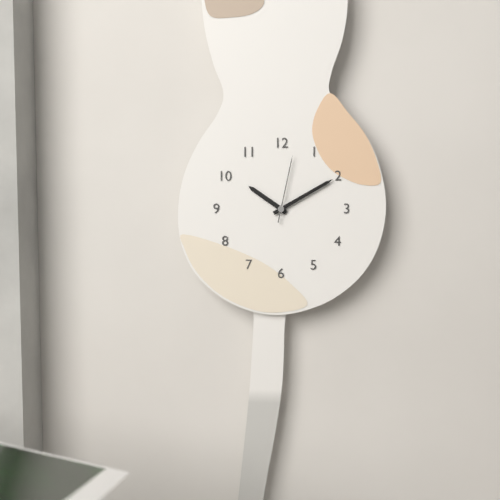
10:10:02
